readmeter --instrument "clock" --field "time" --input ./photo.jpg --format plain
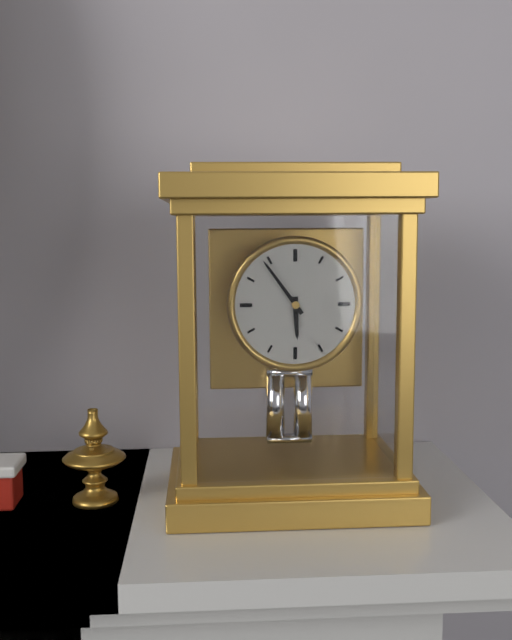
5:54
